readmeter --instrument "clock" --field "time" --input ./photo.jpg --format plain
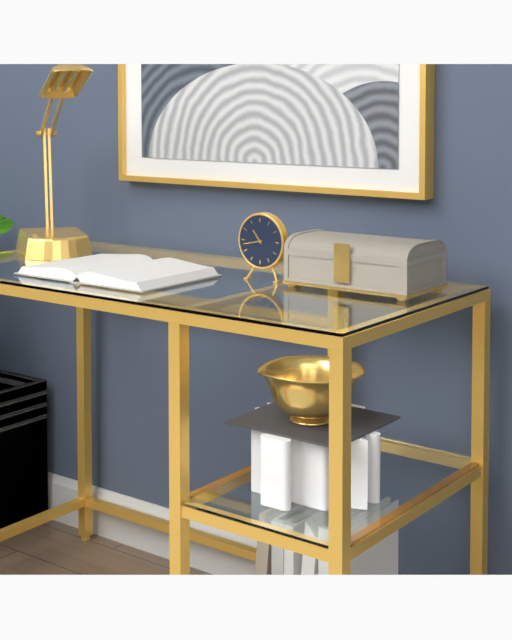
10:43
